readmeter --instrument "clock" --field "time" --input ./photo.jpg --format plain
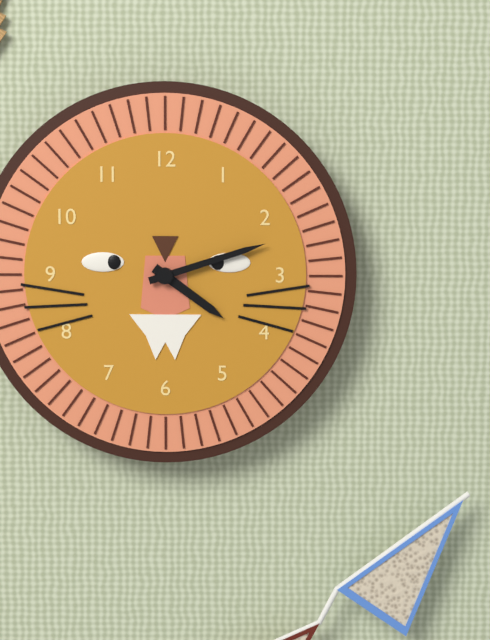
4:12
